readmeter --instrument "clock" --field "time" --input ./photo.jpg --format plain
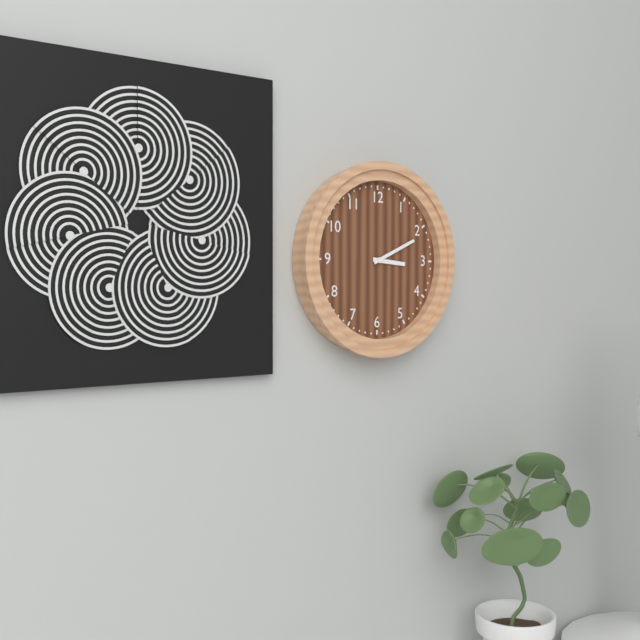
3:11
